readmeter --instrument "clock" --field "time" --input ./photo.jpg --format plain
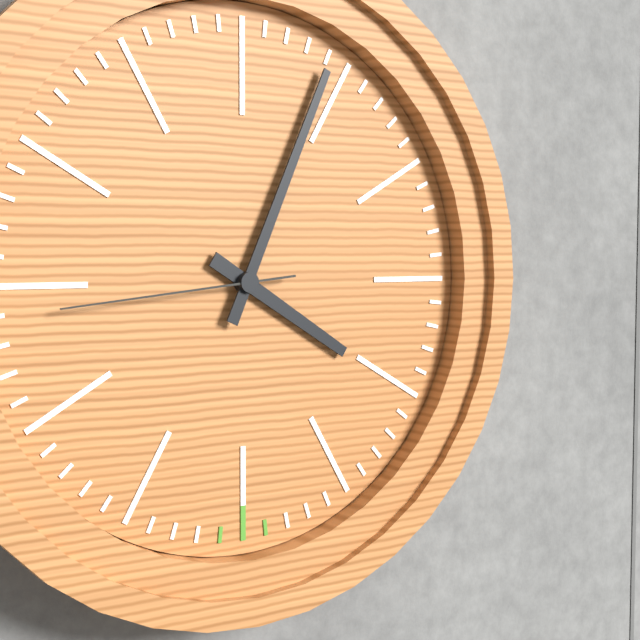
4:04:44
